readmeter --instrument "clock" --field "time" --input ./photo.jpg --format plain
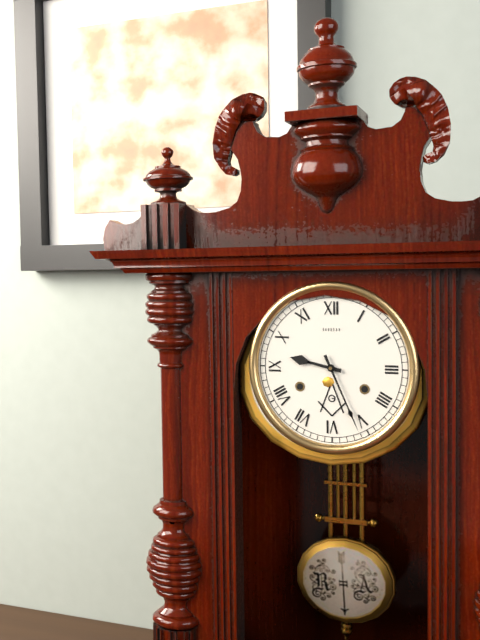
9:26
